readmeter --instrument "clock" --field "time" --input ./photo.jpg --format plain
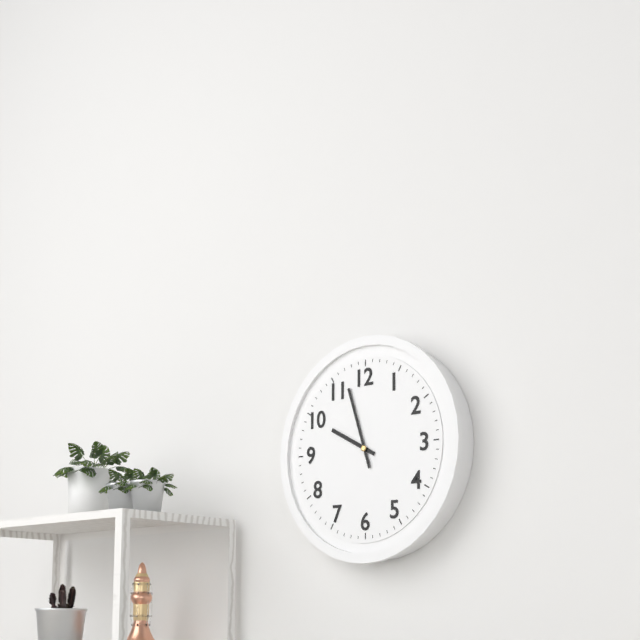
9:57
